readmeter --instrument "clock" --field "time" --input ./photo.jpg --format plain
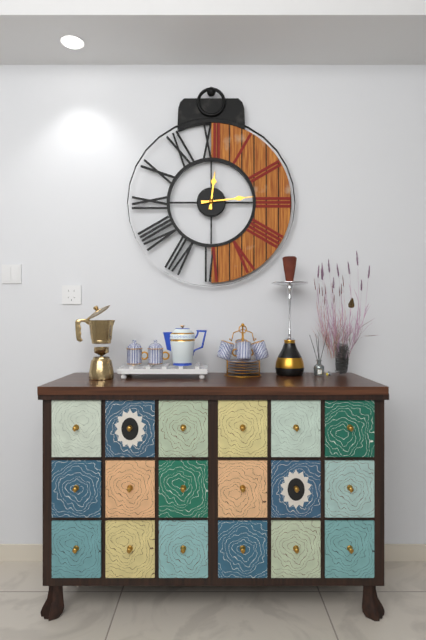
12:14
